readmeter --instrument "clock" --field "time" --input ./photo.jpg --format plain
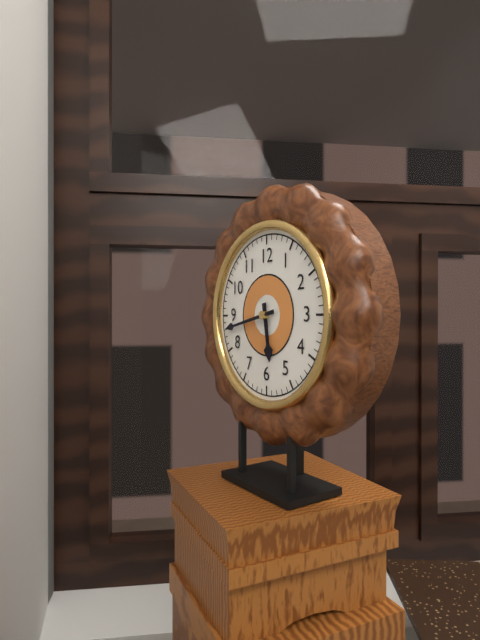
5:43
